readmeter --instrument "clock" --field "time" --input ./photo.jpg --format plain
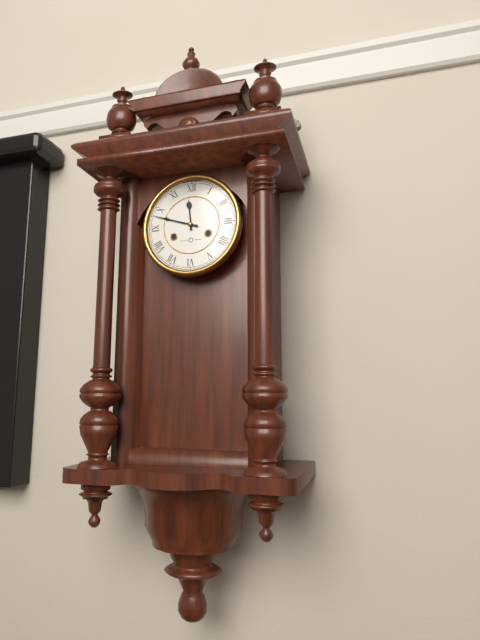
11:48
